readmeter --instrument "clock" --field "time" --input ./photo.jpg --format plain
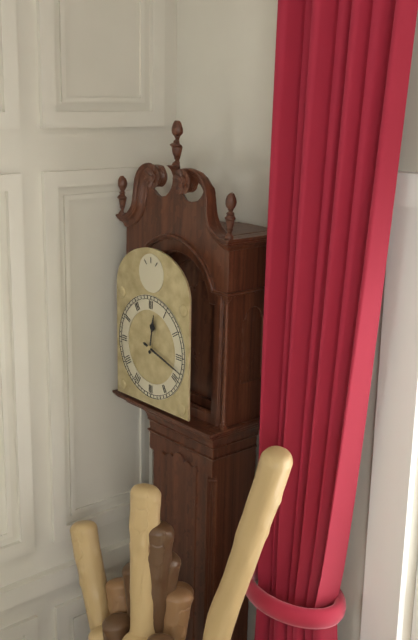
12:18
